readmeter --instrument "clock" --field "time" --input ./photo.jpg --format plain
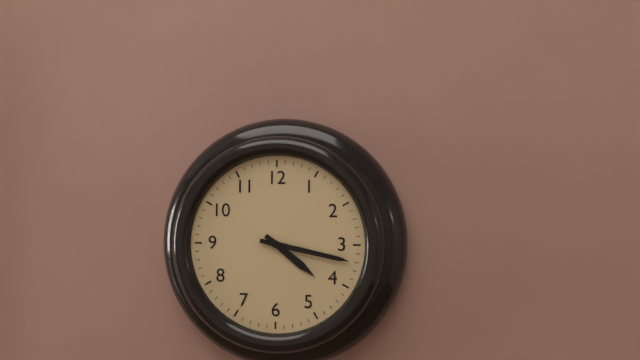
4:17
